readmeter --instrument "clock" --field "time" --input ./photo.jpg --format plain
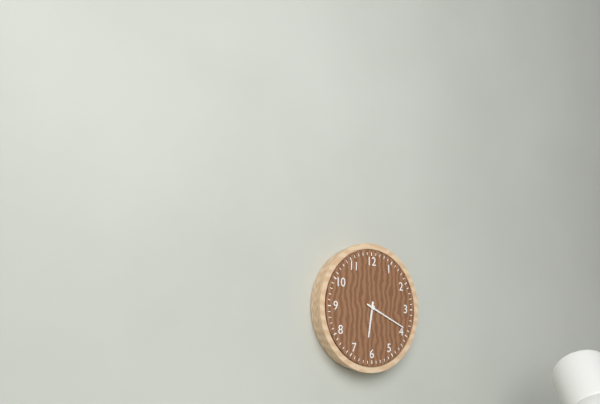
6:19
